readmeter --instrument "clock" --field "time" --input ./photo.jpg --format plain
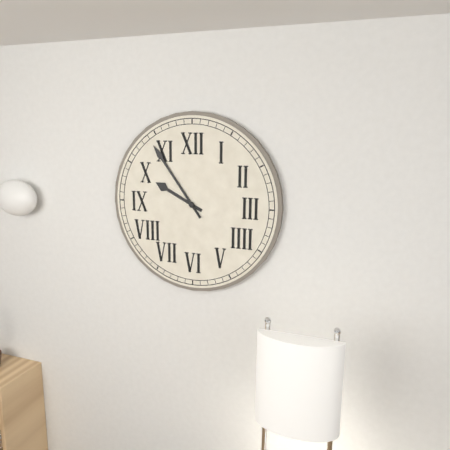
9:54
